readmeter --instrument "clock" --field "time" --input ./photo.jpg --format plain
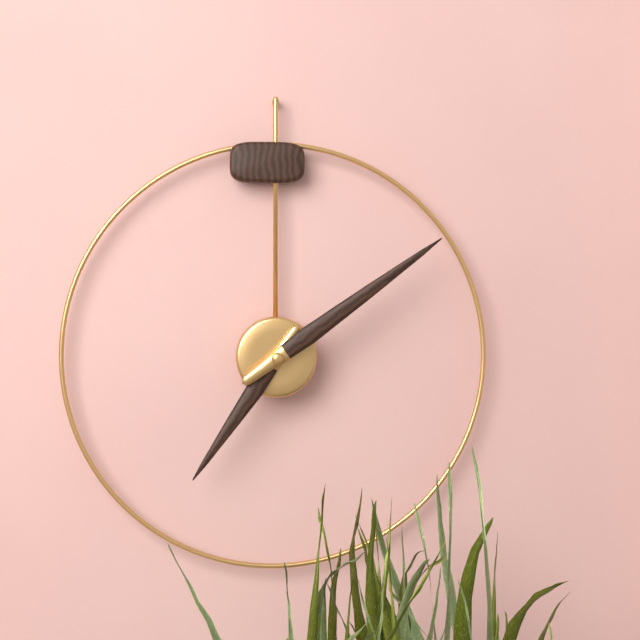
7:09
